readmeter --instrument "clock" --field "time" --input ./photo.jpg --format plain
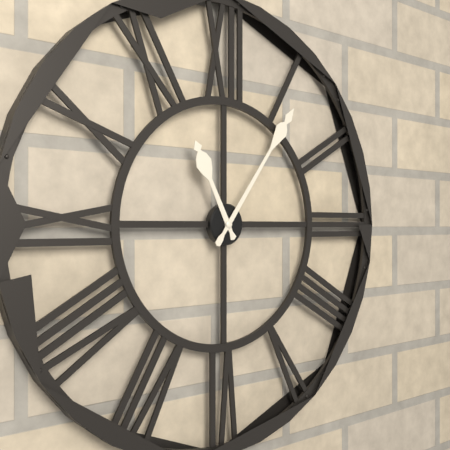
11:06
